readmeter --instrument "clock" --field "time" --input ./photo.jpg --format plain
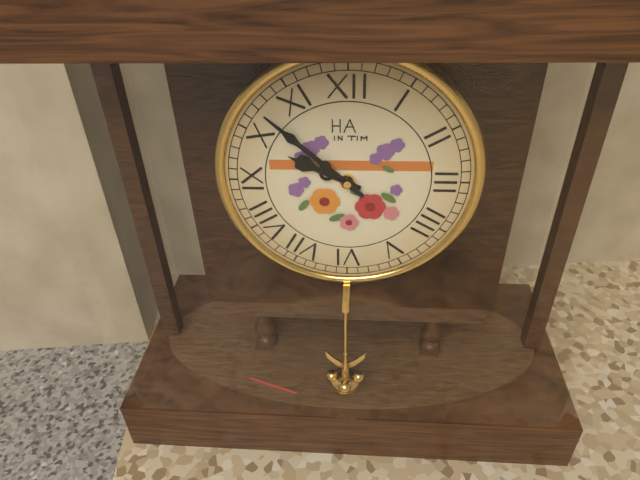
9:52
